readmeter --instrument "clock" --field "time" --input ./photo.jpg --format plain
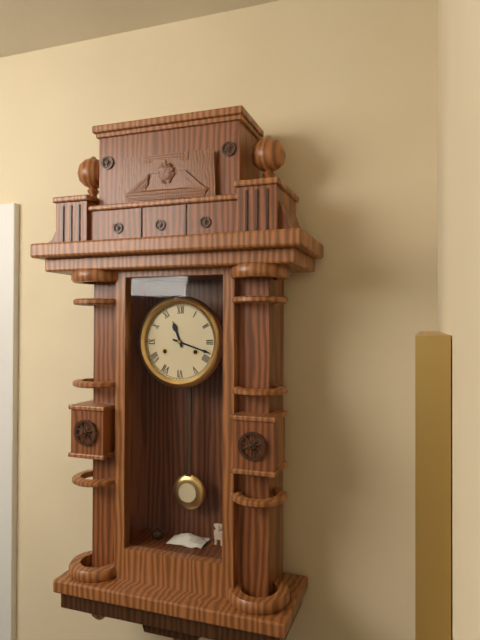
11:18
